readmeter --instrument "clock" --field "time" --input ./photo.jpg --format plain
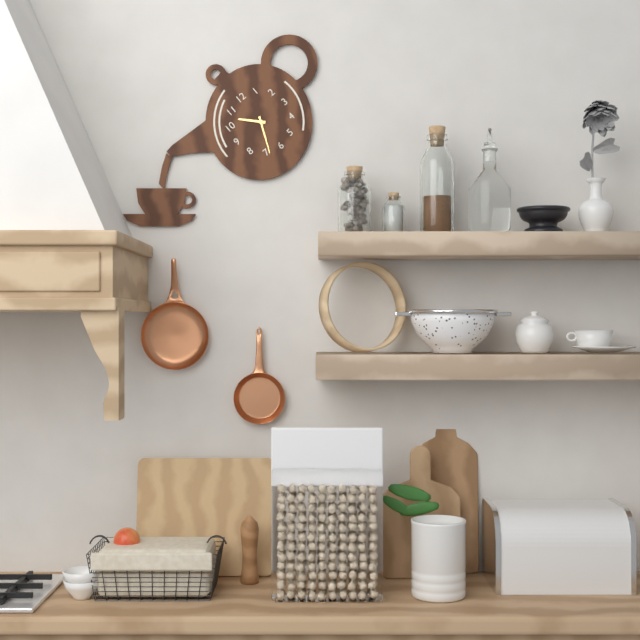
10:34
